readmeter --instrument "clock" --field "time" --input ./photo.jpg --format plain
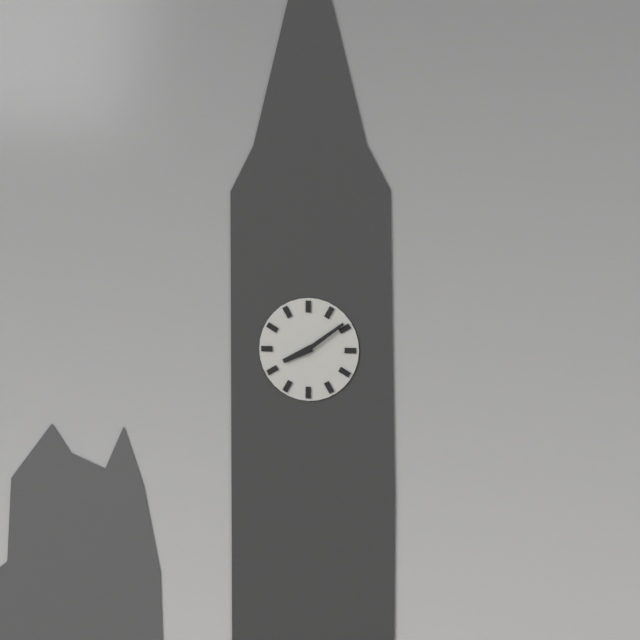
8:09
